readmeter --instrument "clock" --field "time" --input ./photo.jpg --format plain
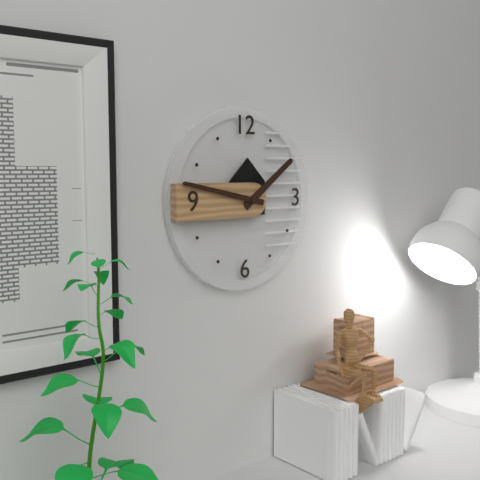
1:47
